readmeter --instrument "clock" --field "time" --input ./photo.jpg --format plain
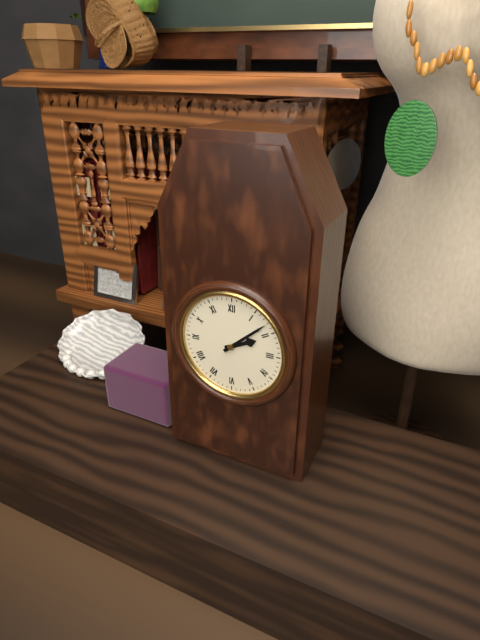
2:08
